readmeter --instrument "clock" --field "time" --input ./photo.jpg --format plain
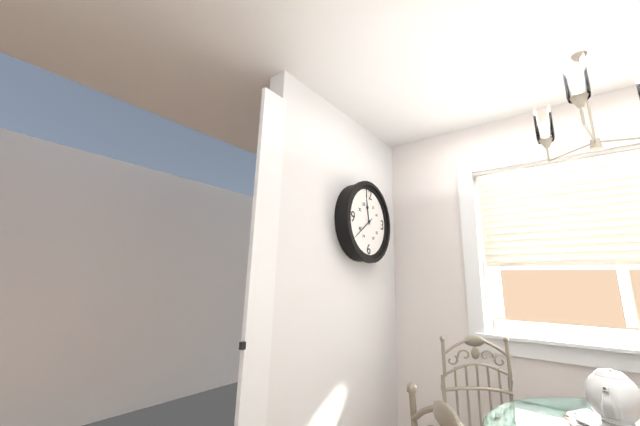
11:39
